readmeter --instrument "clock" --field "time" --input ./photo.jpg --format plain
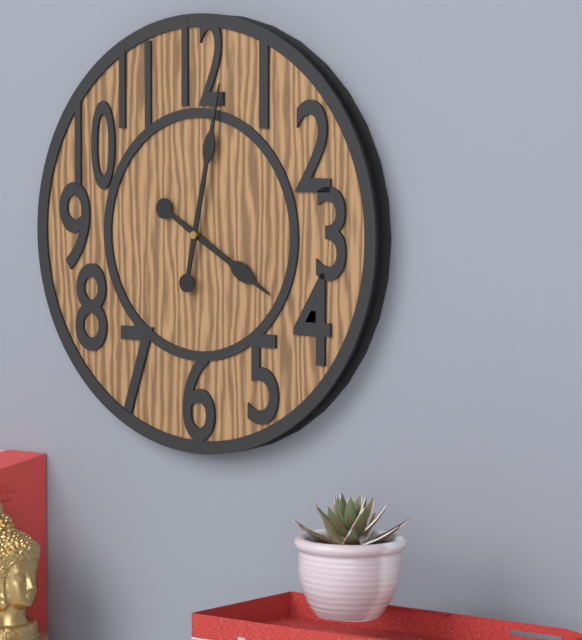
4:02
